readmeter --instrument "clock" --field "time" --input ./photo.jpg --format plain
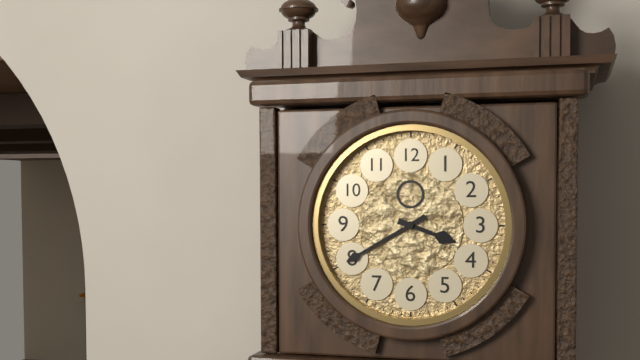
3:40
